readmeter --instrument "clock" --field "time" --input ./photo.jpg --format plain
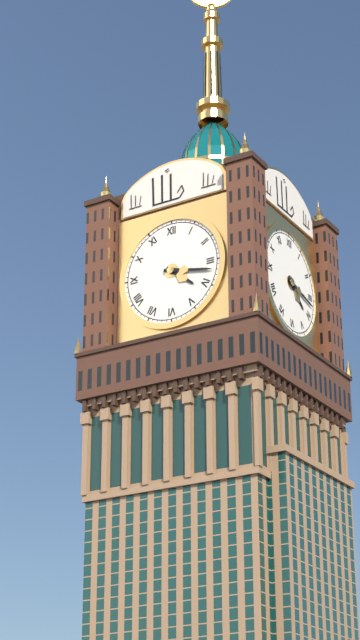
4:17
